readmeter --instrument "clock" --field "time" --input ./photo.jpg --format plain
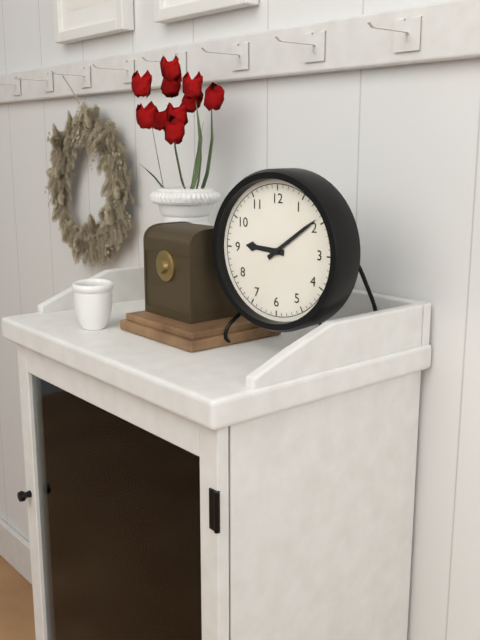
9:09
